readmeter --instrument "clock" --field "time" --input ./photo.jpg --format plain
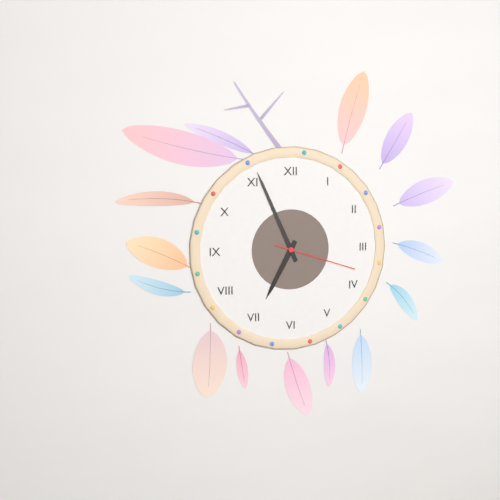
6:56:18
